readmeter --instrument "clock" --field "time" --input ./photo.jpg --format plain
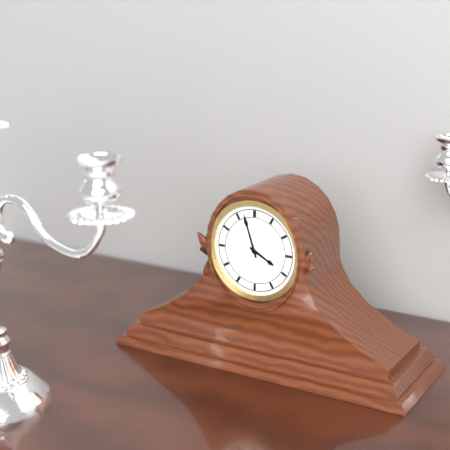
3:57
